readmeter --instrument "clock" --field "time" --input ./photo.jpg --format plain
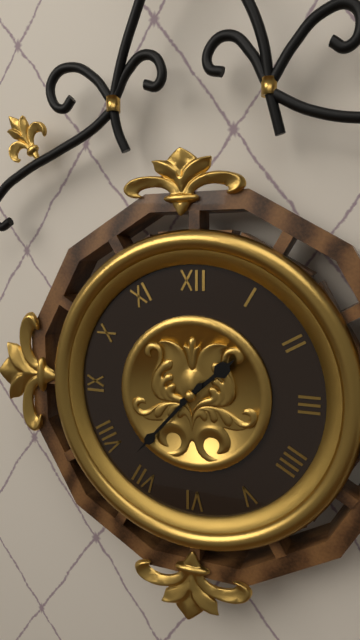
1:37
